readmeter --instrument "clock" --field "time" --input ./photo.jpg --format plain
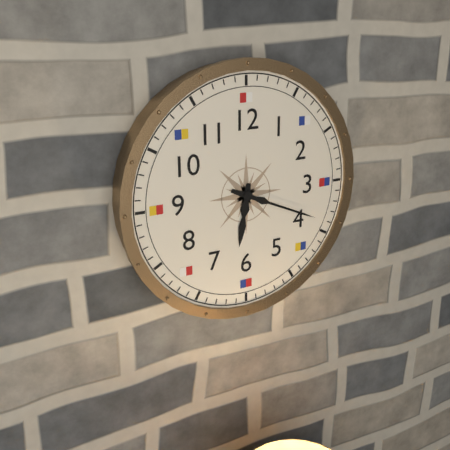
6:19
